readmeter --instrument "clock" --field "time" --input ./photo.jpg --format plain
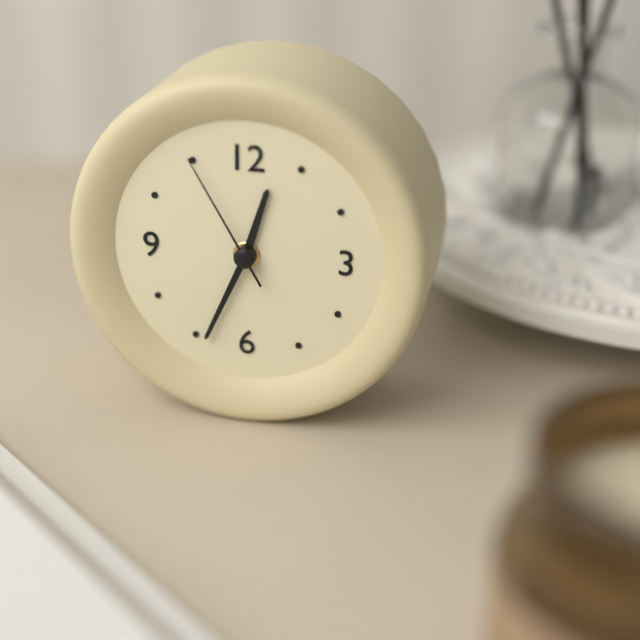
12:34:55
